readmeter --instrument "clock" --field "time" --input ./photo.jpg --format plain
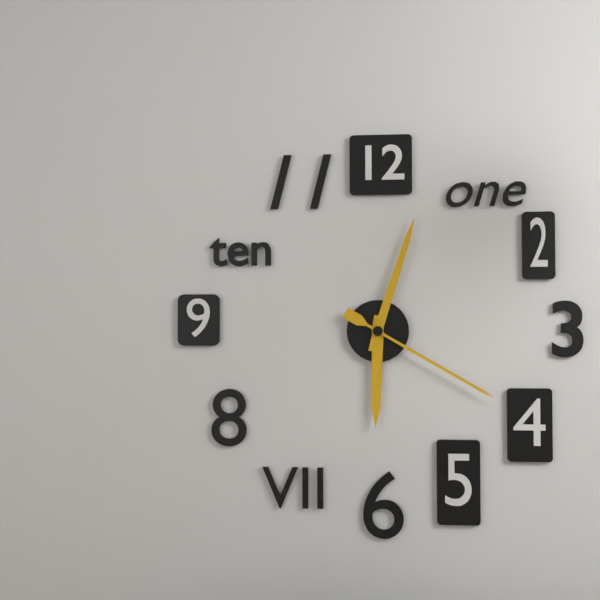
6:03:20
